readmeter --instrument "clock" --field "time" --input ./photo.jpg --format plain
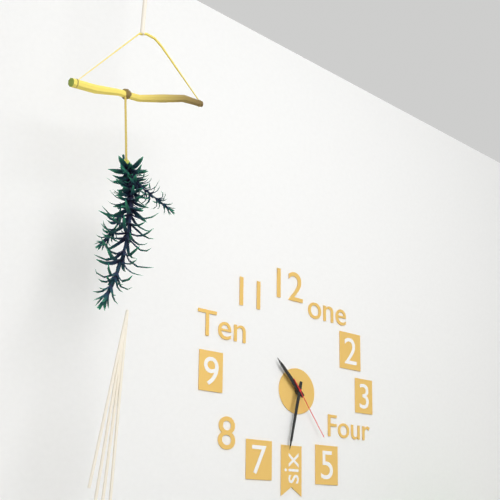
10:32:24
